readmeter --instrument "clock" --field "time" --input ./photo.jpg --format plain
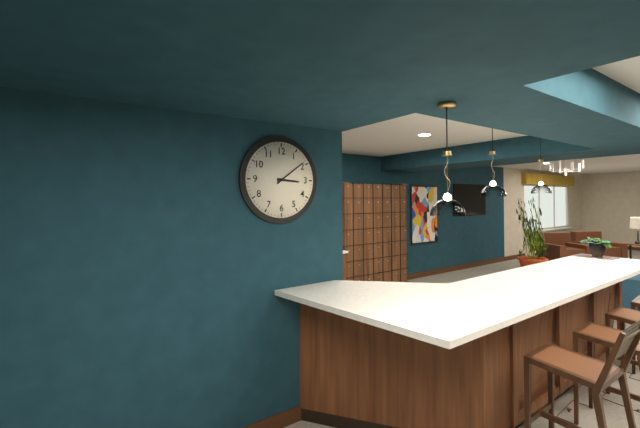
3:09
